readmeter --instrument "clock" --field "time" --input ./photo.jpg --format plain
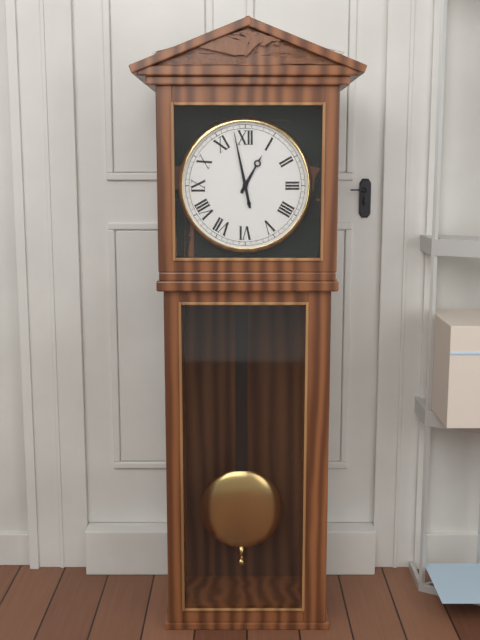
12:58
